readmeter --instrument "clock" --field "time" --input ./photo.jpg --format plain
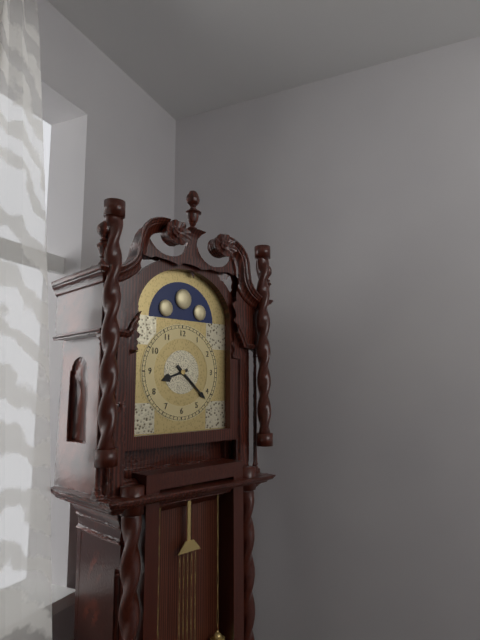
8:22
